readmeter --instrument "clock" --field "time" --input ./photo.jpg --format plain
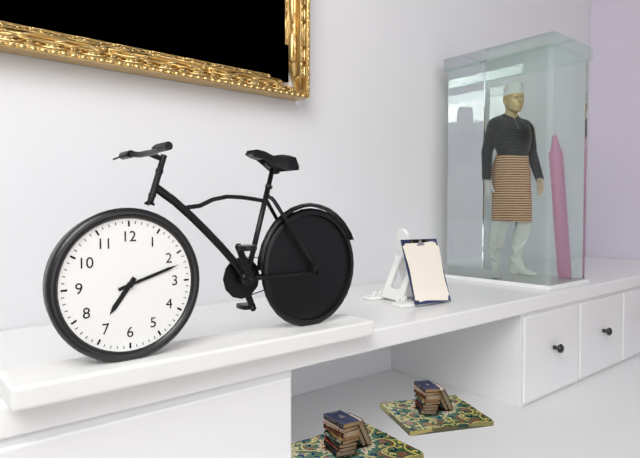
7:12
